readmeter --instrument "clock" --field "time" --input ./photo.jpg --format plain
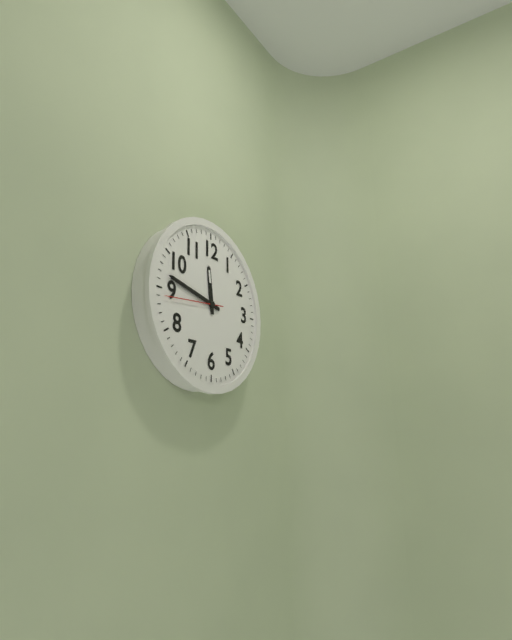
11:47:44
